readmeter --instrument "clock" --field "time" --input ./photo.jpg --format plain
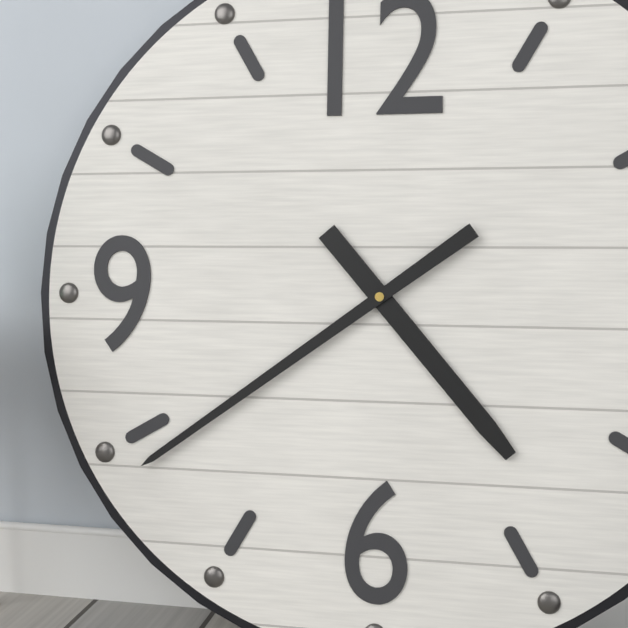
4:39
